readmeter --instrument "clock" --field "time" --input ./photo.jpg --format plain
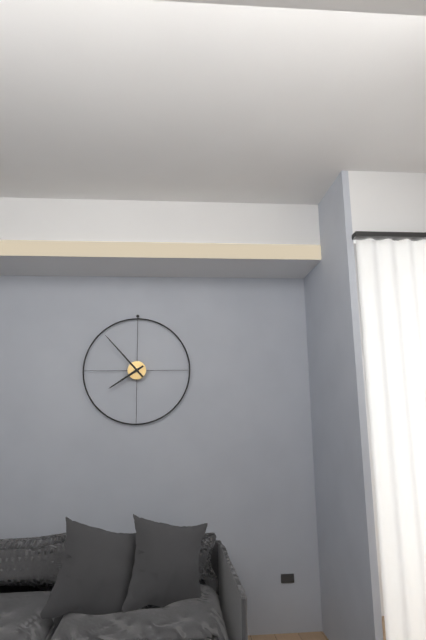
7:53
